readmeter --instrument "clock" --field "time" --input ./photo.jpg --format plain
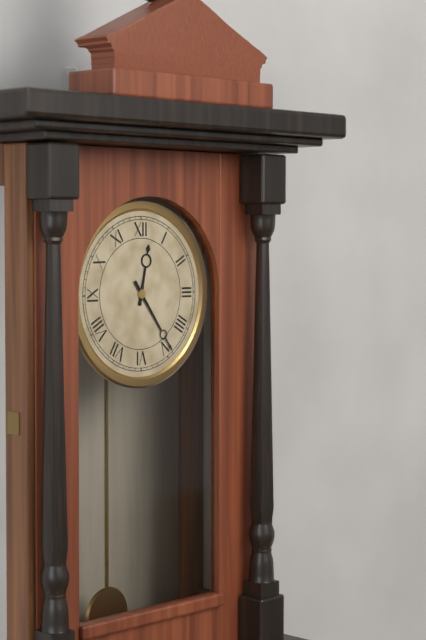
12:24
